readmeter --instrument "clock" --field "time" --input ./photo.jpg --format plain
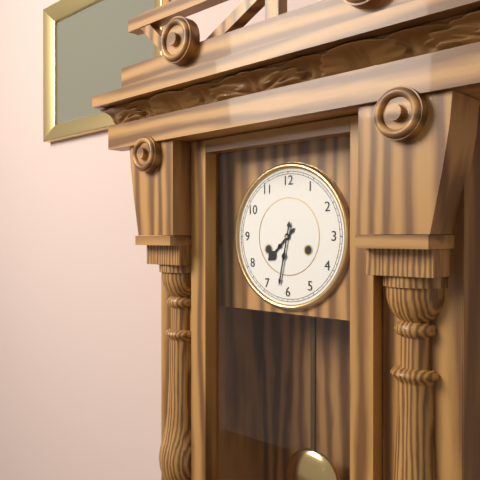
7:32
